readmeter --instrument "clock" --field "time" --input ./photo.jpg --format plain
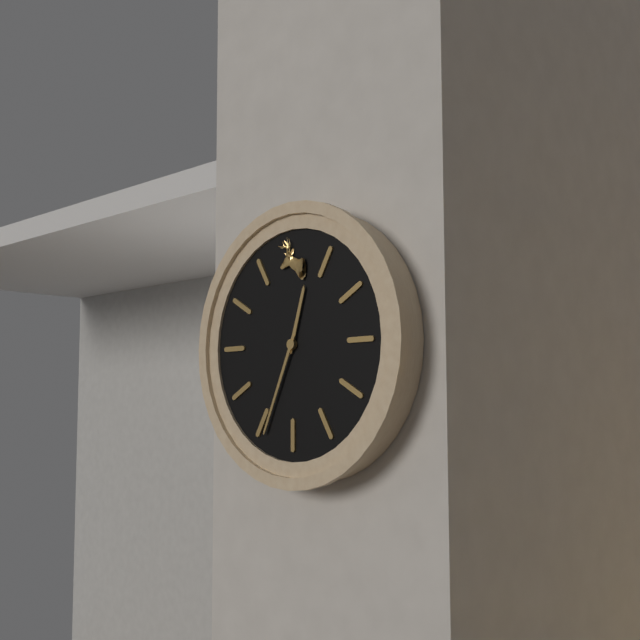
12:34
